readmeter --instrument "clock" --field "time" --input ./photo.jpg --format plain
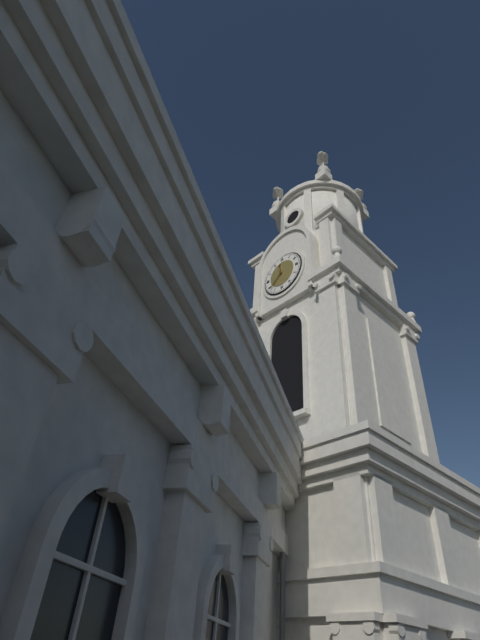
11:38
